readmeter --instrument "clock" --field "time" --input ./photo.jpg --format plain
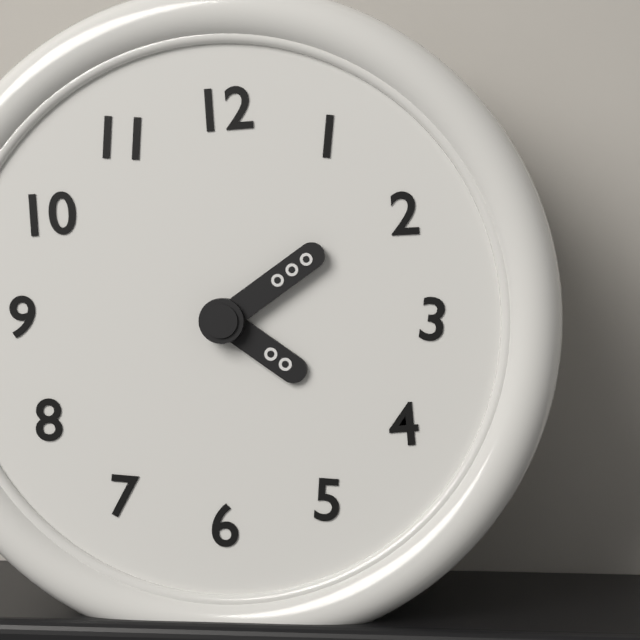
4:09
